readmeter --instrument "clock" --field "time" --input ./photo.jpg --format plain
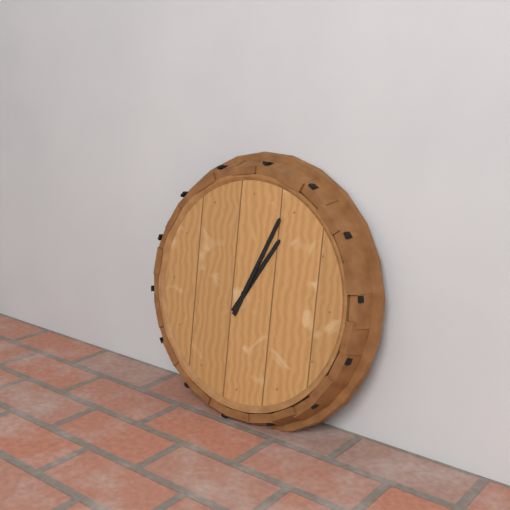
1:04
